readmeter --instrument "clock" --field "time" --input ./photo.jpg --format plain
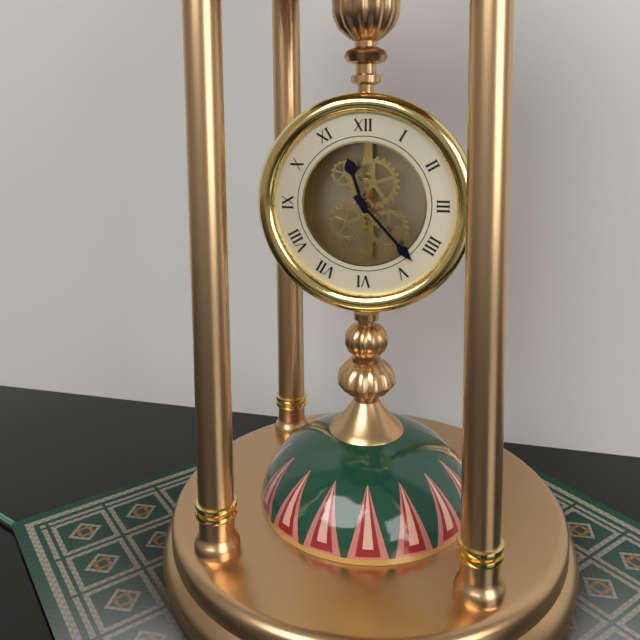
11:23
